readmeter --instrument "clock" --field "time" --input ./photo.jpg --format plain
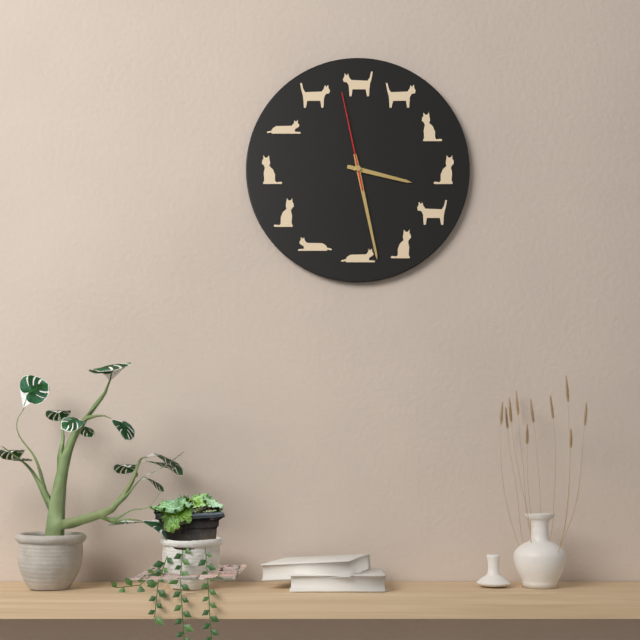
3:28:58
